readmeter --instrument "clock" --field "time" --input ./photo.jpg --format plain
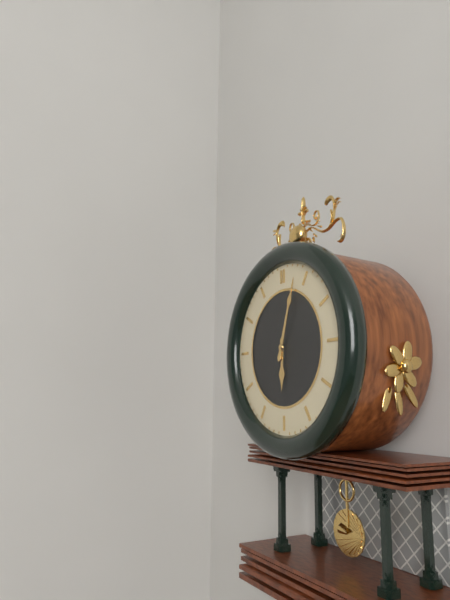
6:03
